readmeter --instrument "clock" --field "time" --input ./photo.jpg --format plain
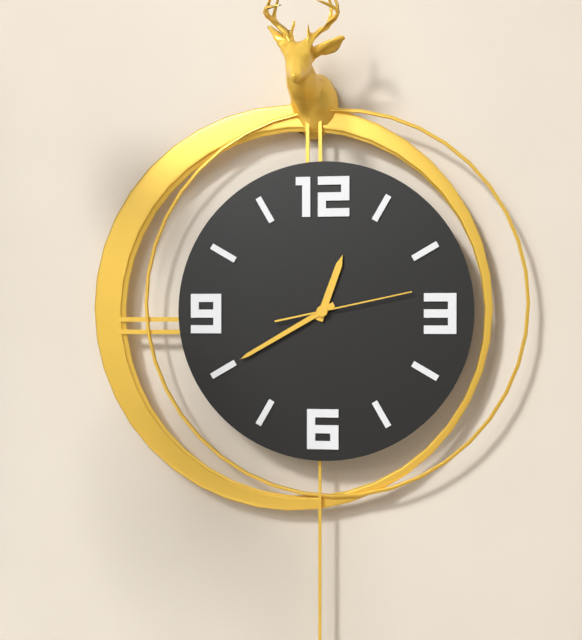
12:40:13
